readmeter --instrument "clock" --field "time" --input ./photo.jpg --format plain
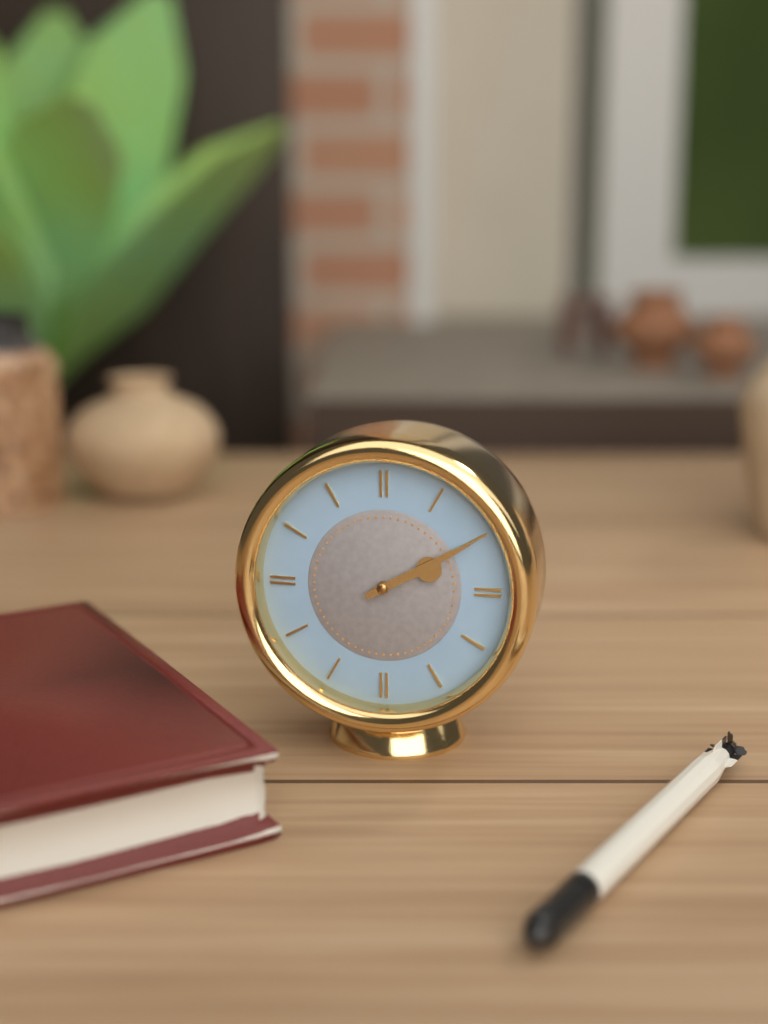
2:10
